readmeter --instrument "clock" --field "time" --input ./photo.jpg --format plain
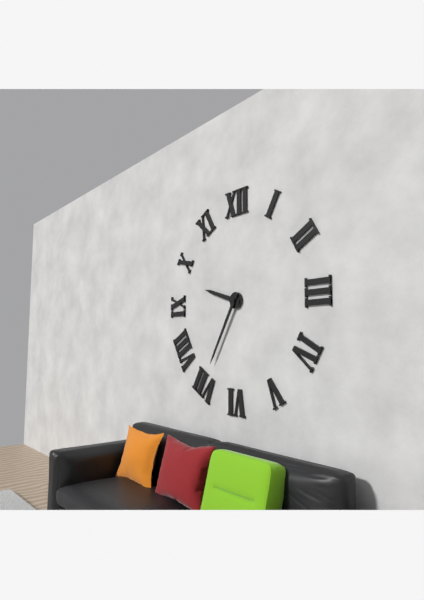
9:35
